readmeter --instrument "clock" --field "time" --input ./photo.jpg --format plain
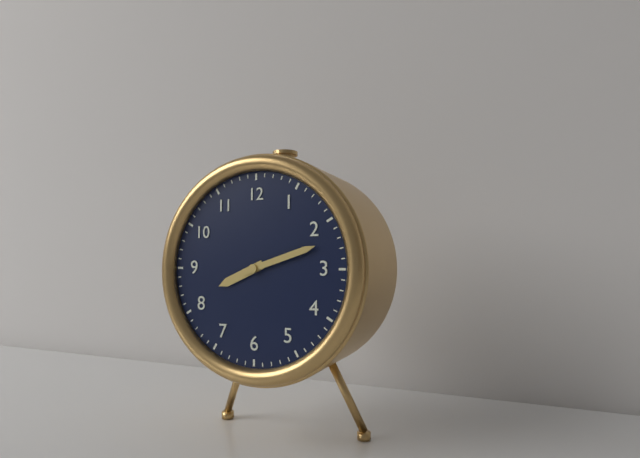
8:12
